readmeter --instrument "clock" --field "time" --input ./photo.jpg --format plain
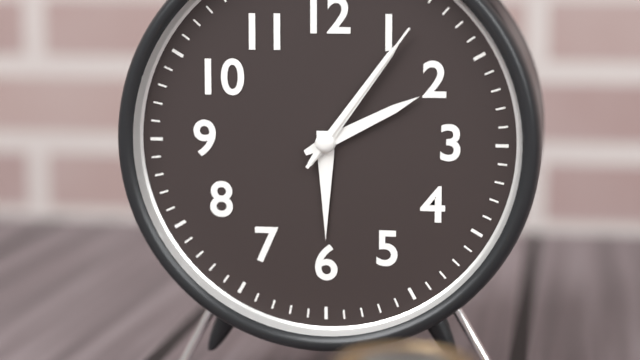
2:06:06
